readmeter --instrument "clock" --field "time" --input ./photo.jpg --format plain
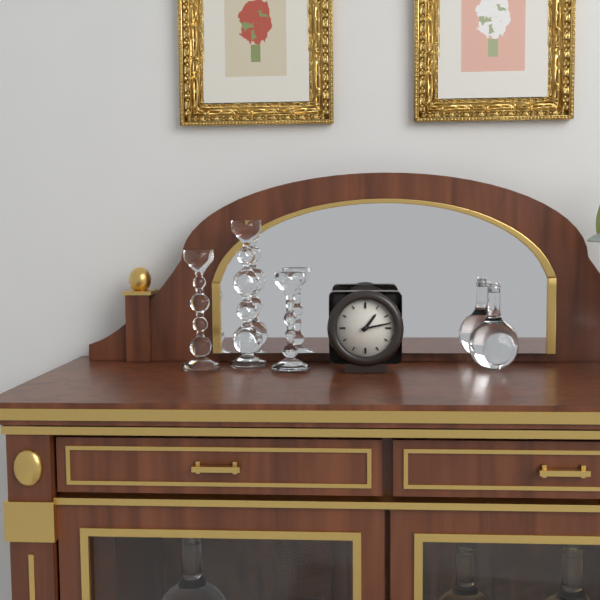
1:13
